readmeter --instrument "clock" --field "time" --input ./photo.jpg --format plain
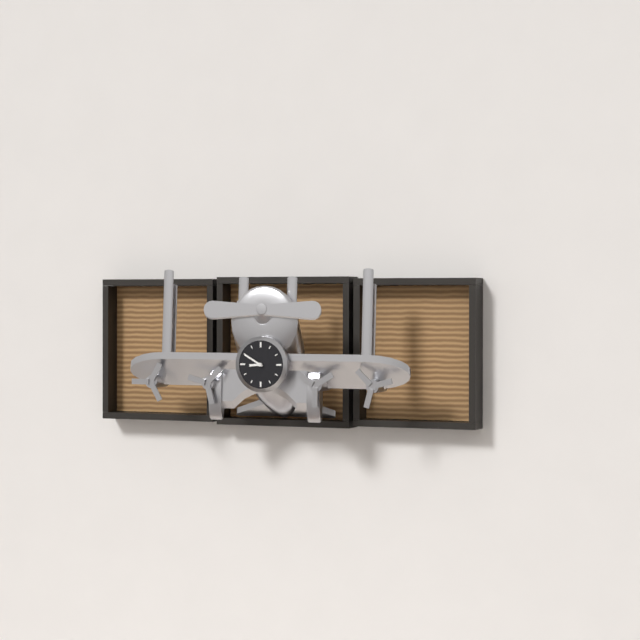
8:50
